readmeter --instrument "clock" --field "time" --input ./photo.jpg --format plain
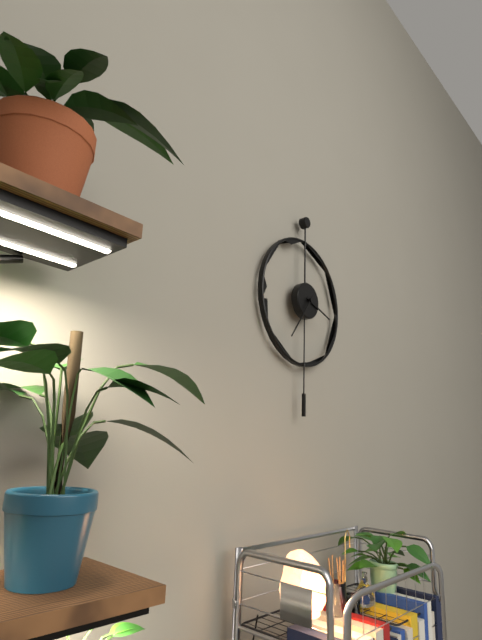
3:36
